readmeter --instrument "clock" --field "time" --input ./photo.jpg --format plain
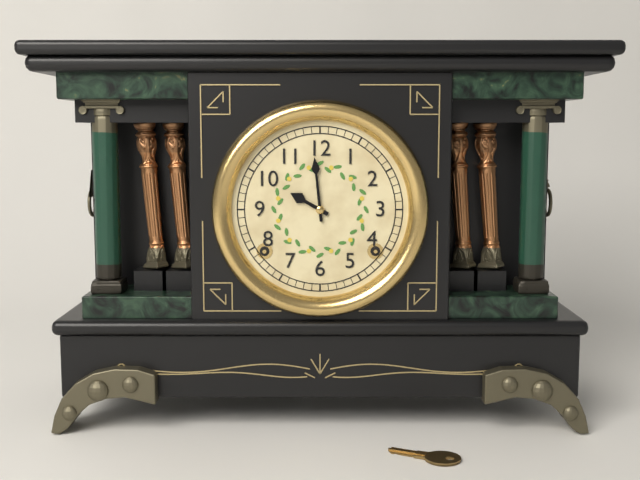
9:59
